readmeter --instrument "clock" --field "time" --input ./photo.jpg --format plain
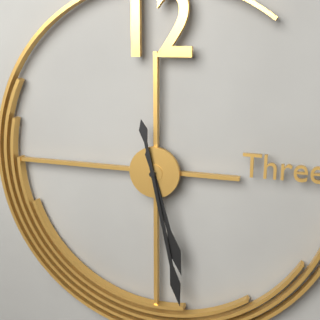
5:28
